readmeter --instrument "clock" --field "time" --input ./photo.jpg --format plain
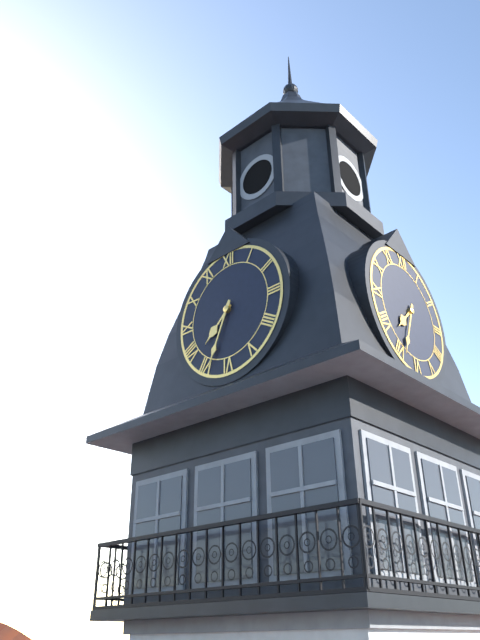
7:34
